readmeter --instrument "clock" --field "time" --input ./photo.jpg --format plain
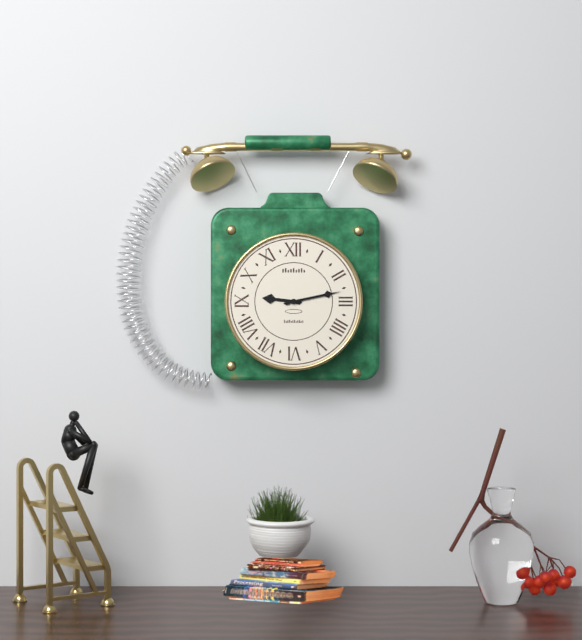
9:13
